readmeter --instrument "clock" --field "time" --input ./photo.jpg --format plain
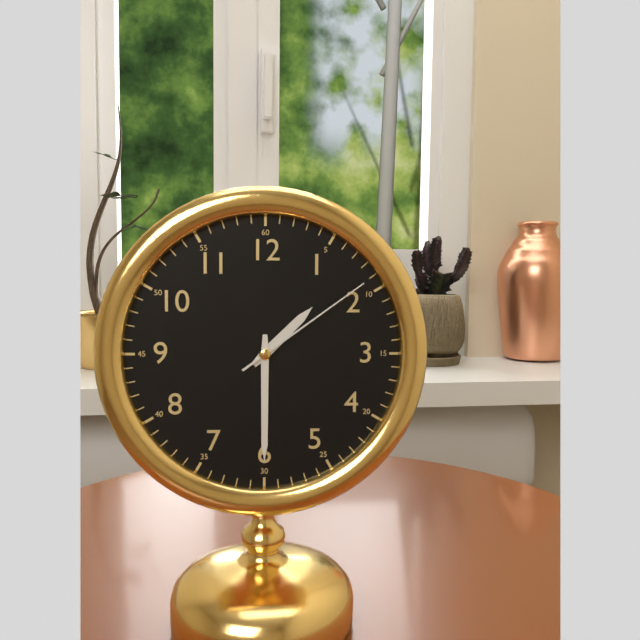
1:30:09
